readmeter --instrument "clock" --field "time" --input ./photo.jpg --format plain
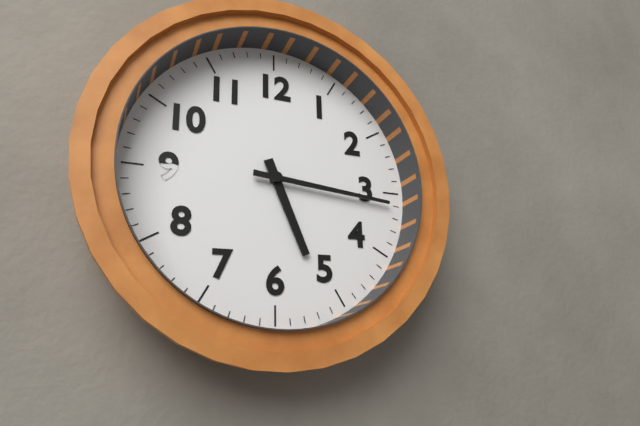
5:16
